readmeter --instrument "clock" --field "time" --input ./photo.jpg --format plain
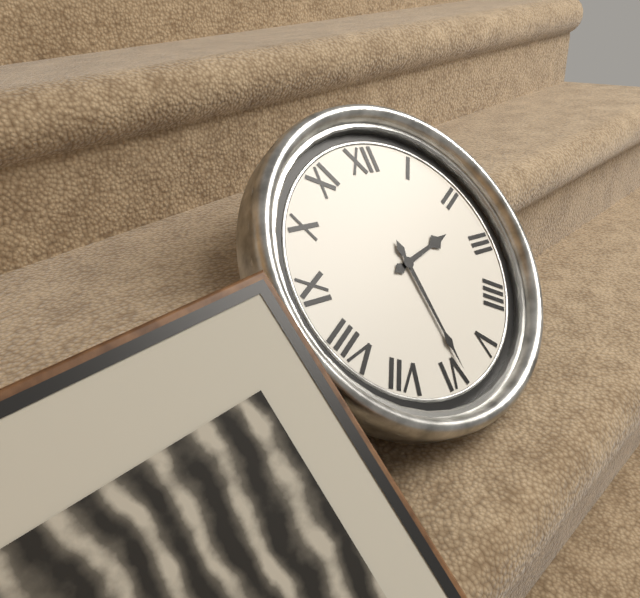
2:29
